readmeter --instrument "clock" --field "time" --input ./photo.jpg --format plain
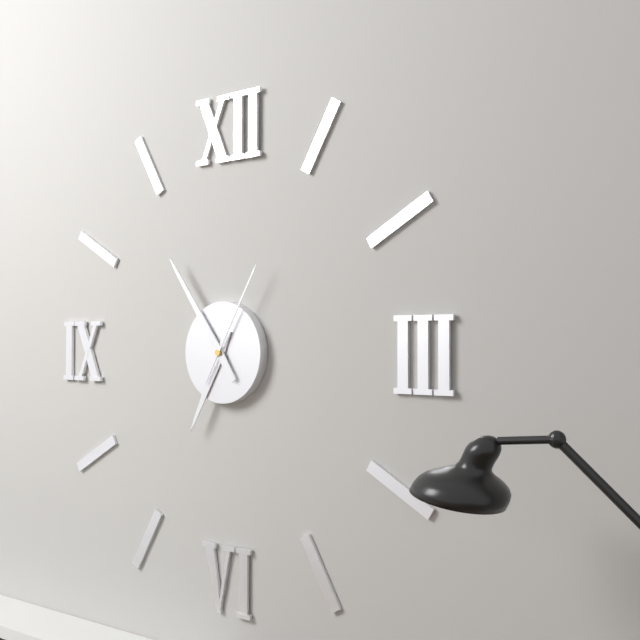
6:54:05
